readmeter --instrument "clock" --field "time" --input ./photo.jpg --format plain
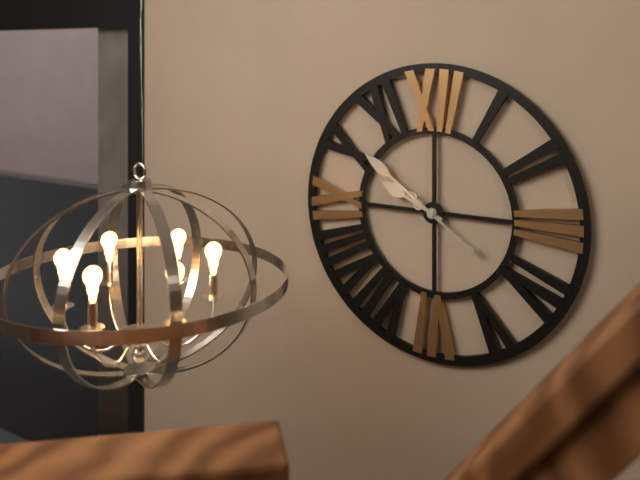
9:51
